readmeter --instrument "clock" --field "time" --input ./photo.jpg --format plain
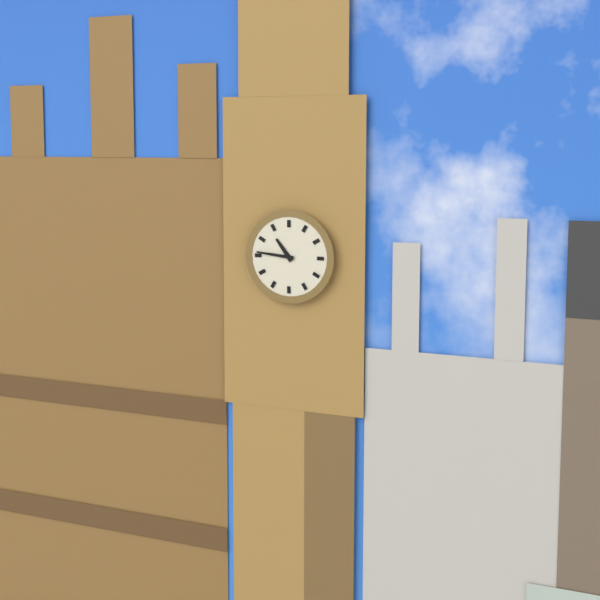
10:46
